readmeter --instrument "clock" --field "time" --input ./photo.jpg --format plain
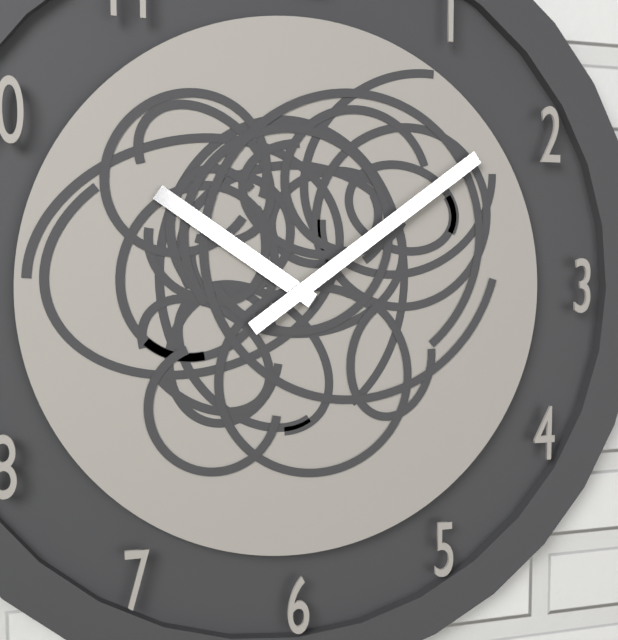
10:09
